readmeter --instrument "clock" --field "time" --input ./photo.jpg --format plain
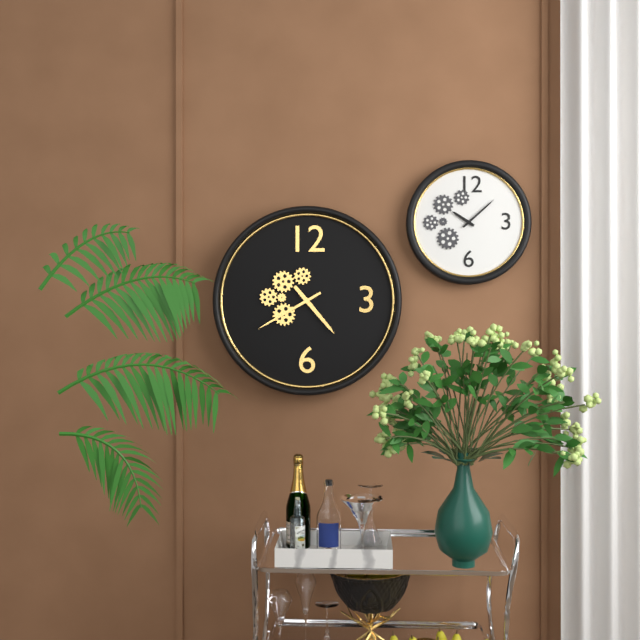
4:40
